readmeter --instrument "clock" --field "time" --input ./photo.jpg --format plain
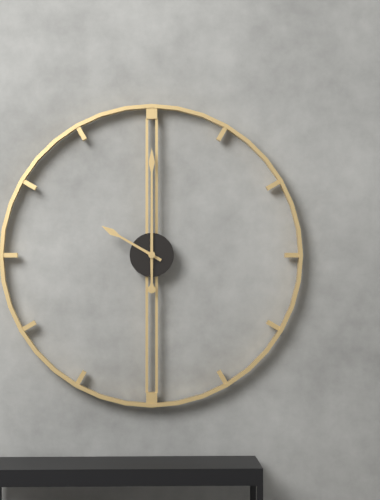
10:00
